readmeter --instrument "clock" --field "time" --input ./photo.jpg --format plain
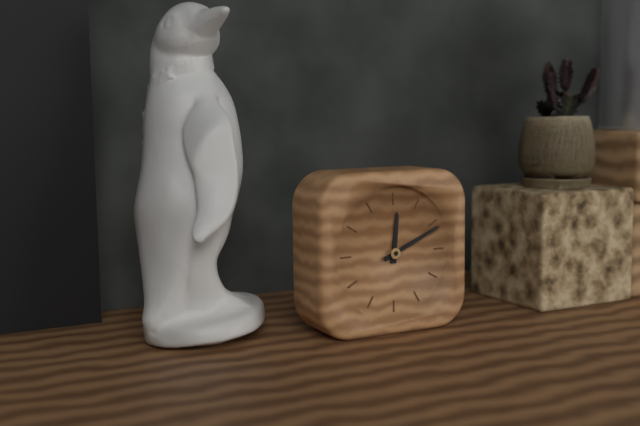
12:11
